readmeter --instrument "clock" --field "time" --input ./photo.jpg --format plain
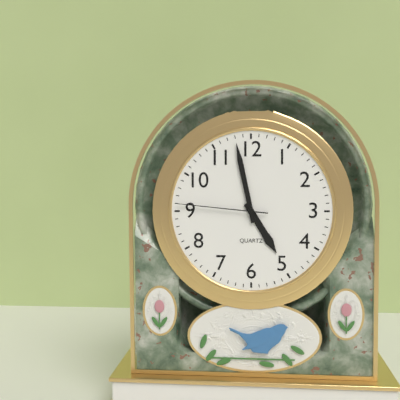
4:58:46
